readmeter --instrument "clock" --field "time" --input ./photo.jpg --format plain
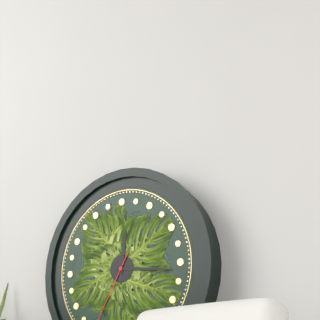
12:16
